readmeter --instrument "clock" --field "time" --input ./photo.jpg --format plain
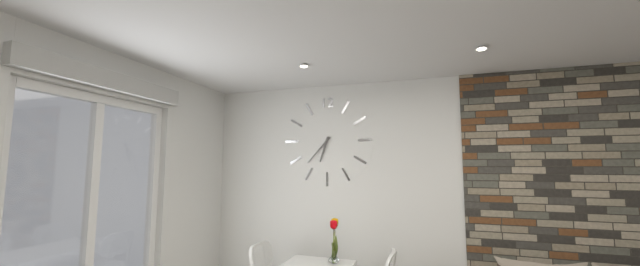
6:37
